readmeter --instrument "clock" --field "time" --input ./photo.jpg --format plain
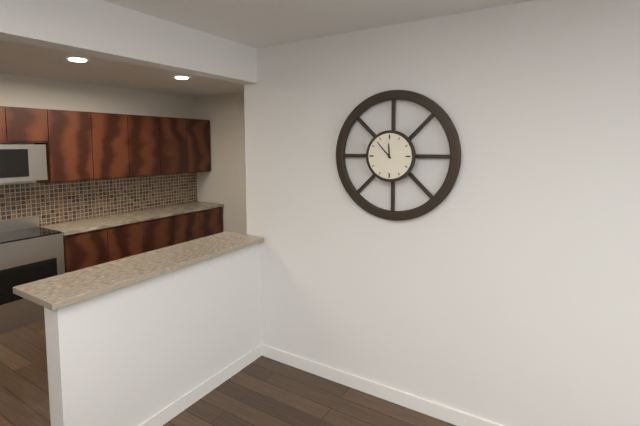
11:53
